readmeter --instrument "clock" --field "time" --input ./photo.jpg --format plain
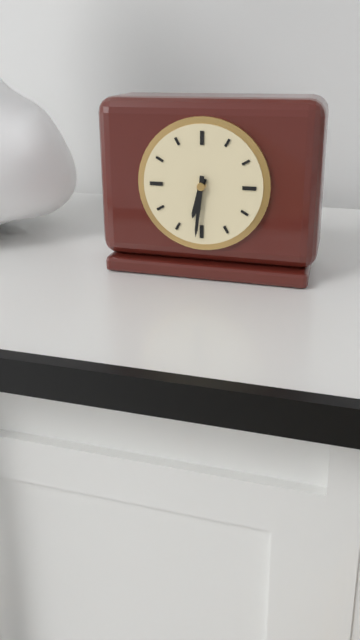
6:31
